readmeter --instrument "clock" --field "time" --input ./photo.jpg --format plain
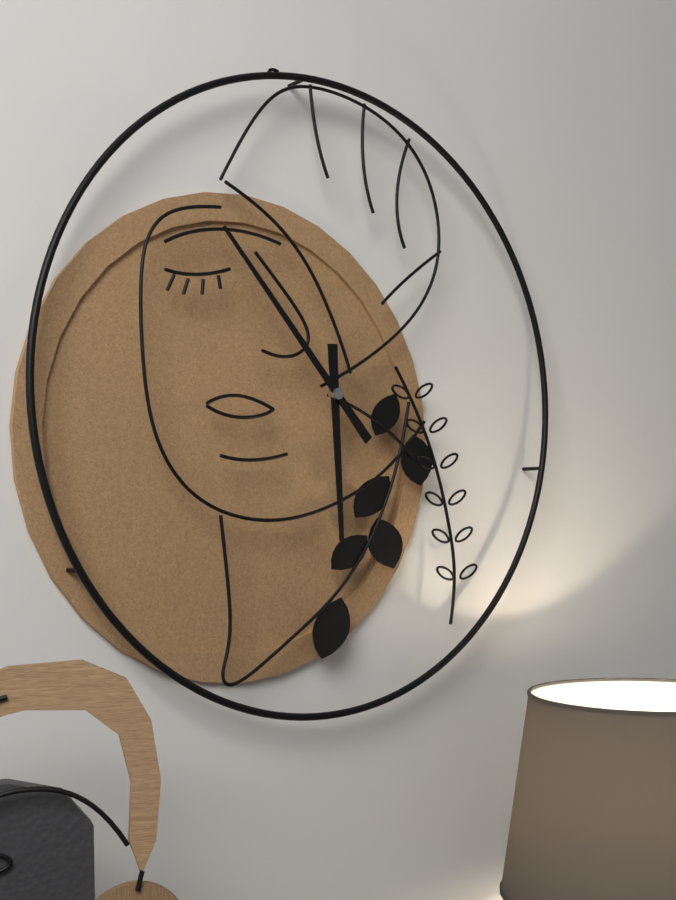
5:53
